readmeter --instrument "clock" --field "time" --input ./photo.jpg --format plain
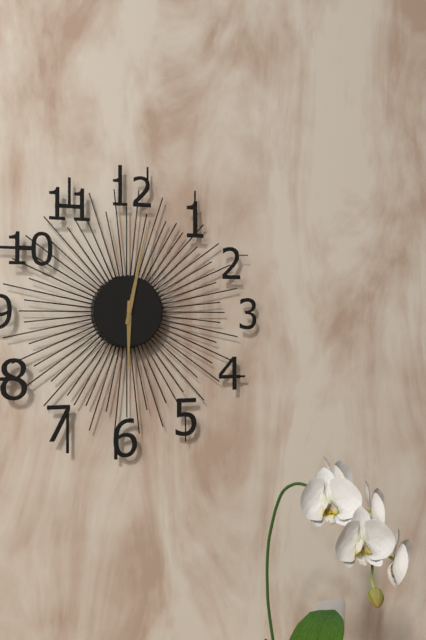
6:02
